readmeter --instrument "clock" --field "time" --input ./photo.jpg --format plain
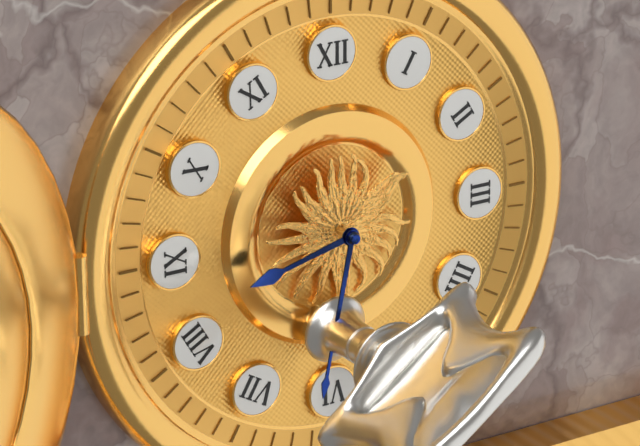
8:32
